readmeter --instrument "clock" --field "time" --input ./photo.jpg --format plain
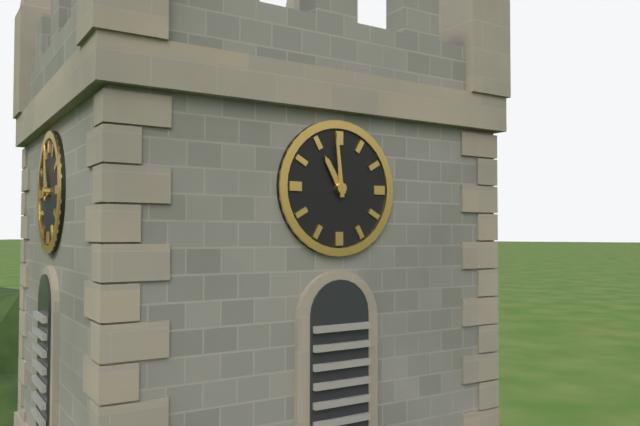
10:59
